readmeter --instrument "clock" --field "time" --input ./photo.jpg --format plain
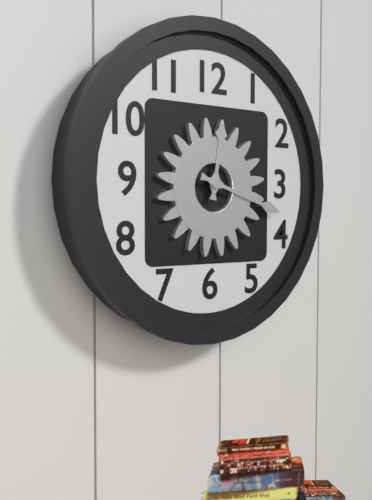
12:18
